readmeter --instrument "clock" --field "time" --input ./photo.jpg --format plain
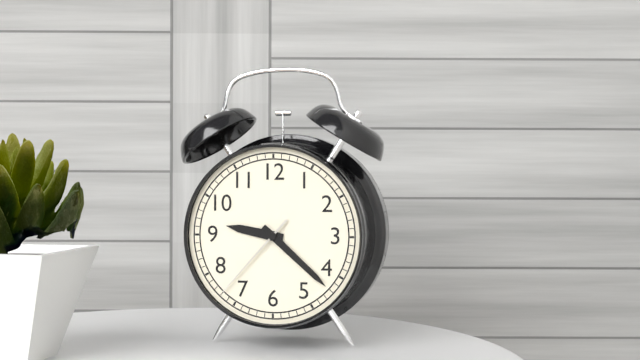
9:22:37
